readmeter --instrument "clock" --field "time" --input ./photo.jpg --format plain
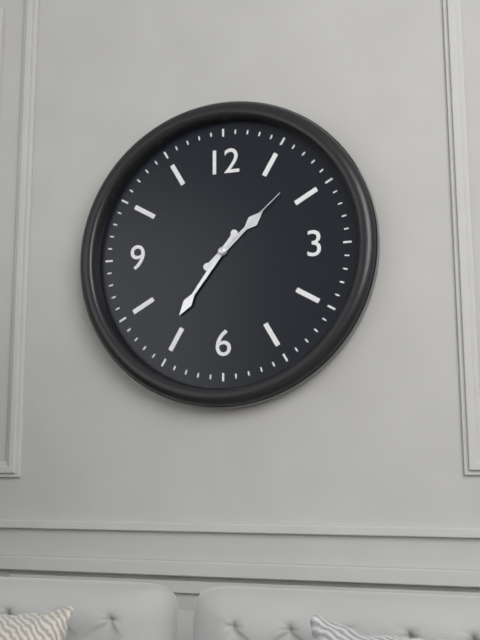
1:36:08
